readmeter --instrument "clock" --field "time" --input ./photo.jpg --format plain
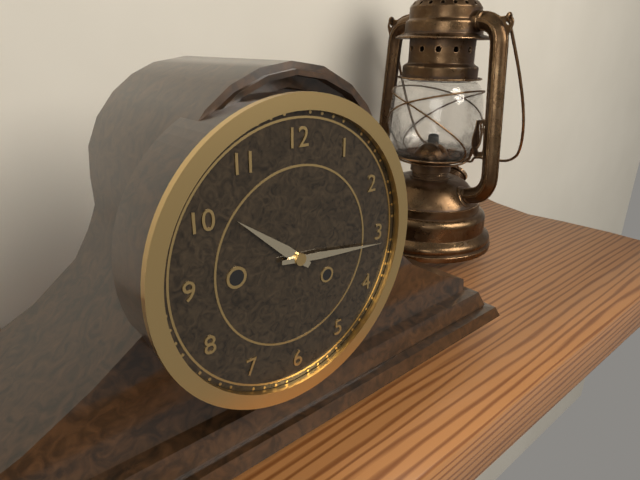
10:16
